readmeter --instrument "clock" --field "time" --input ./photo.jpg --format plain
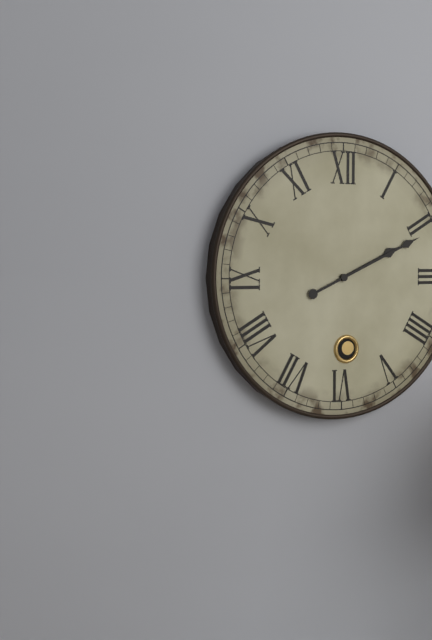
2:11
